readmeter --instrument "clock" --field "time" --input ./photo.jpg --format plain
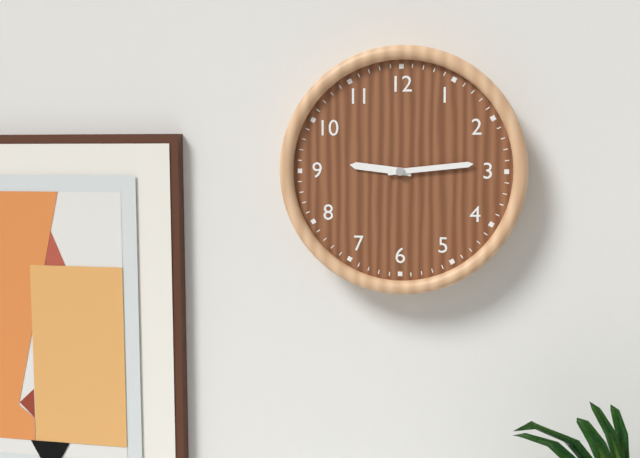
9:14
